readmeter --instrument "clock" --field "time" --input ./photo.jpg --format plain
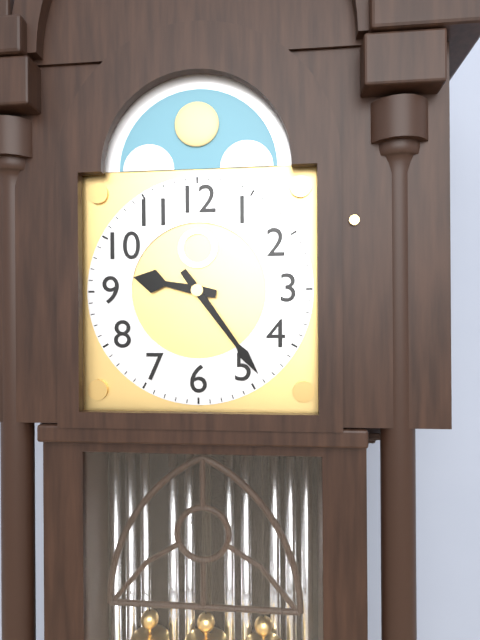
9:24
